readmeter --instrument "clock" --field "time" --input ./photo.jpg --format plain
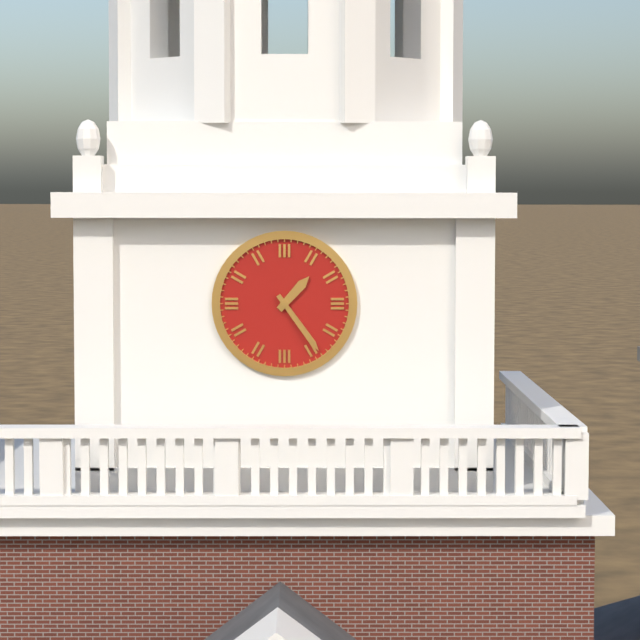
1:24
